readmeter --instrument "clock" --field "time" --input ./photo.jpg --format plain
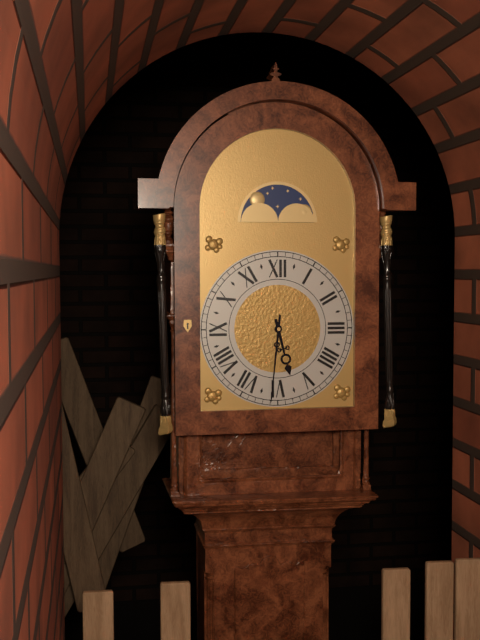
5:31
